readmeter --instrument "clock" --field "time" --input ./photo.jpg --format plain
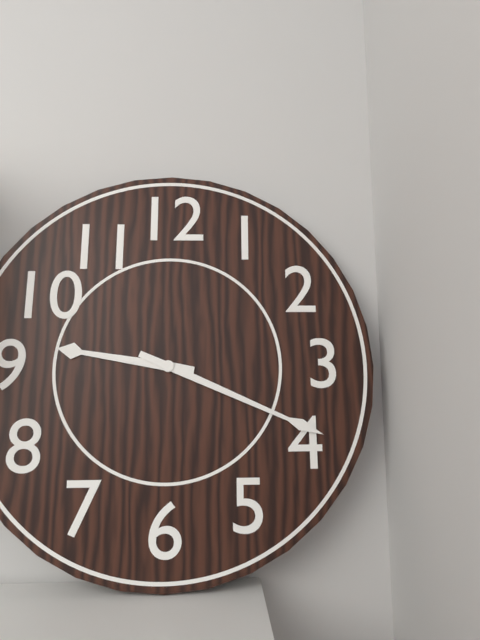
9:19
